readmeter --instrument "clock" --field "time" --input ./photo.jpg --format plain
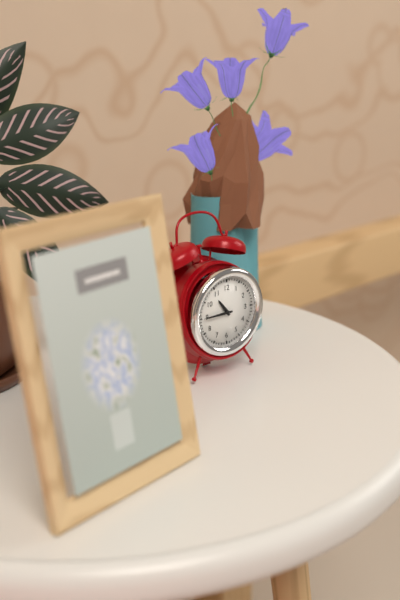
10:45
